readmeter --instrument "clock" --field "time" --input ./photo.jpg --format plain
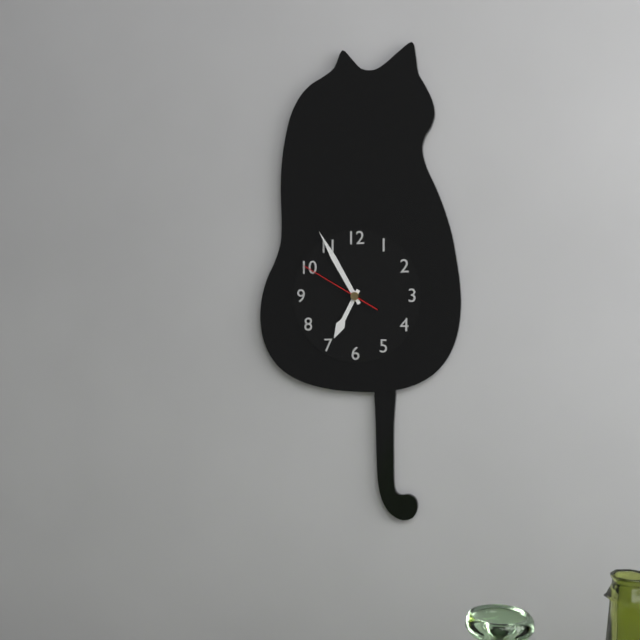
6:55:50
